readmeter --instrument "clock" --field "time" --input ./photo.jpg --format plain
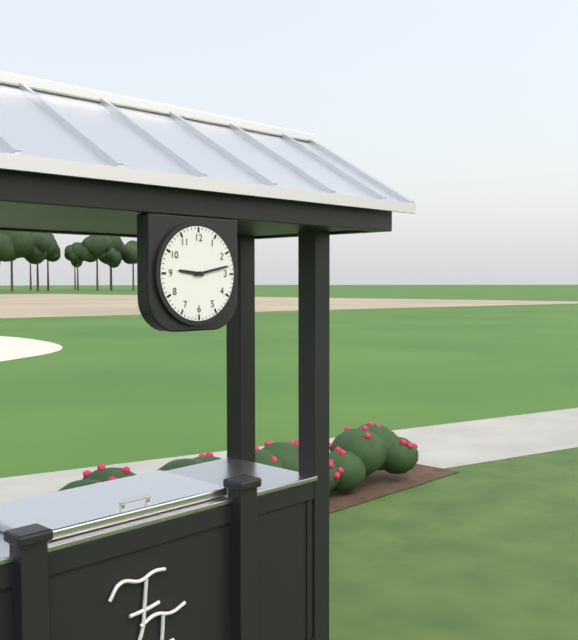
9:13
